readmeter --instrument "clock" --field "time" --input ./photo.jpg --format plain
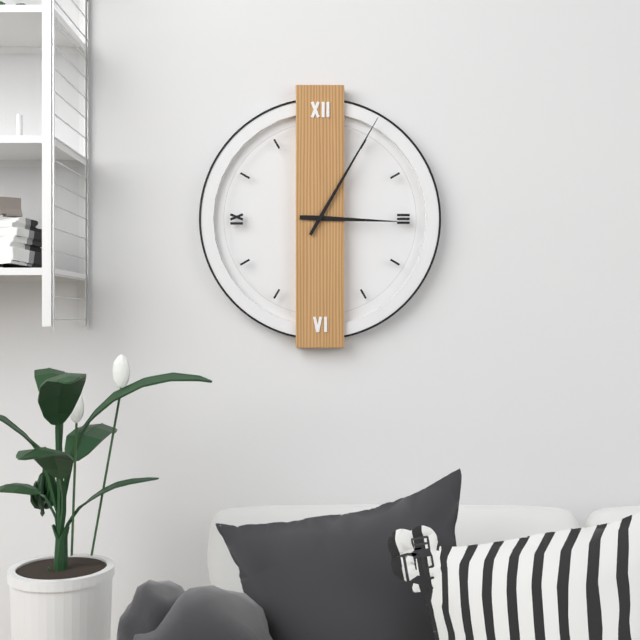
3:05
